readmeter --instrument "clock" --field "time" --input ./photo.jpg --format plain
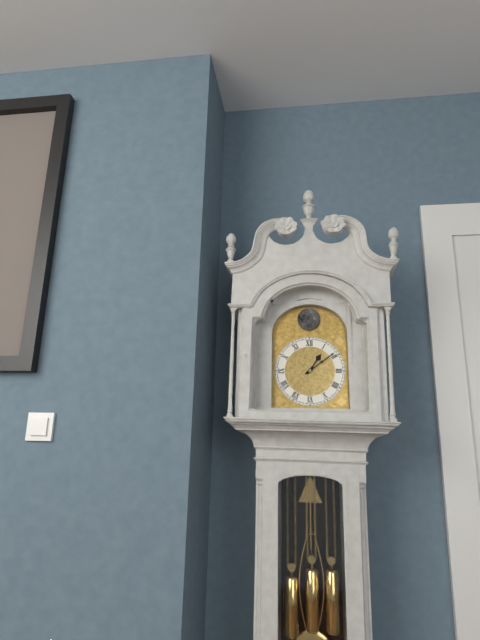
1:09
